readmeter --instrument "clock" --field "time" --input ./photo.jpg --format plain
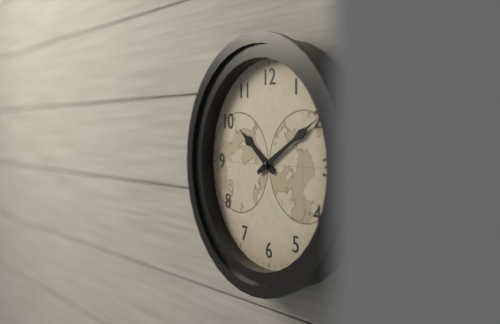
10:10
